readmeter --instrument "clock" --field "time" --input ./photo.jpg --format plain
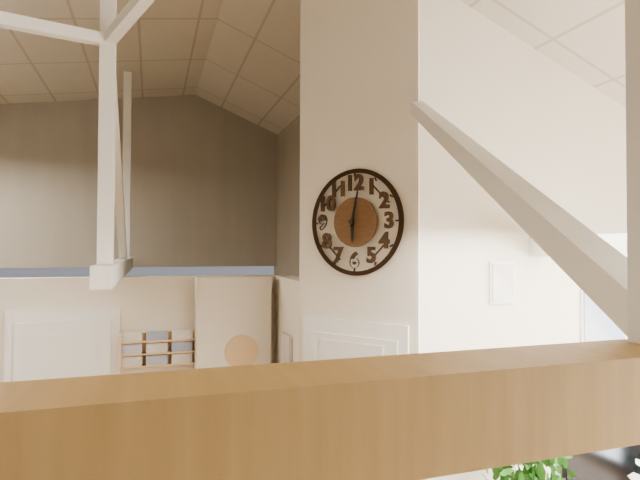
6:02
